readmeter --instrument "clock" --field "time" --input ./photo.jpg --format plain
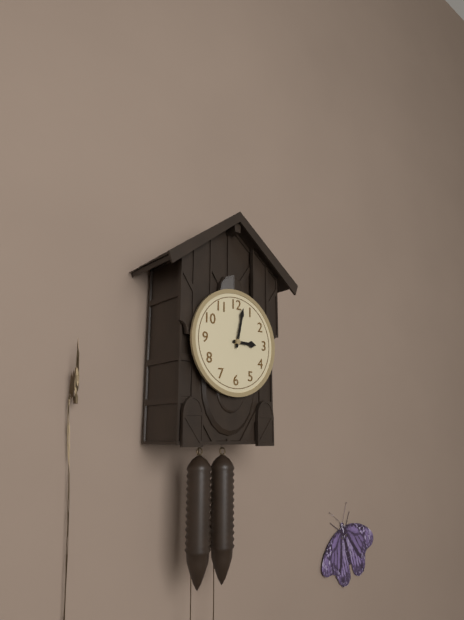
3:02
